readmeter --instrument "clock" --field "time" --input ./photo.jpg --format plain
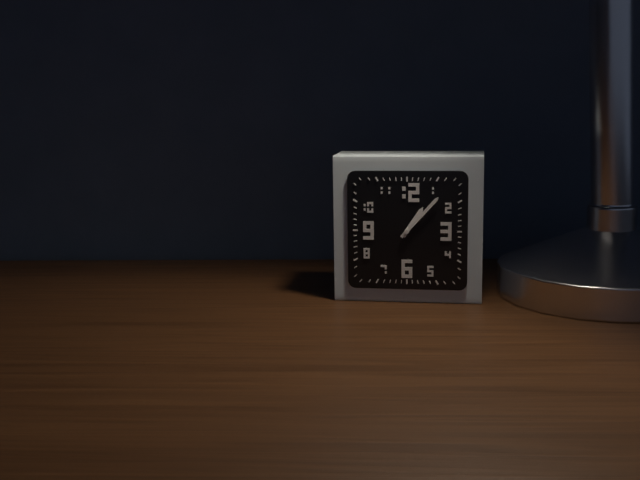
1:07
